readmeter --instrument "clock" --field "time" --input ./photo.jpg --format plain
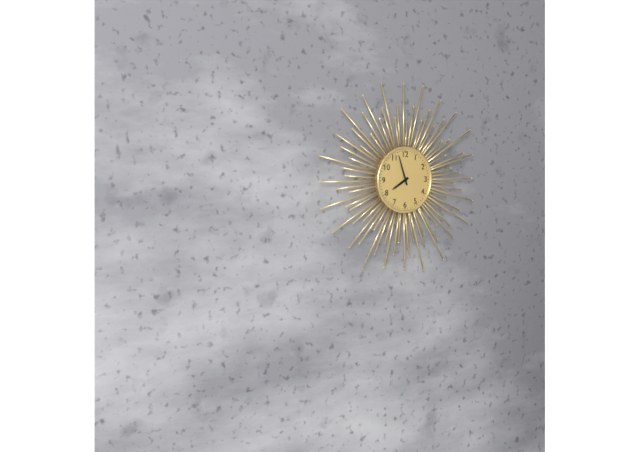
7:57
